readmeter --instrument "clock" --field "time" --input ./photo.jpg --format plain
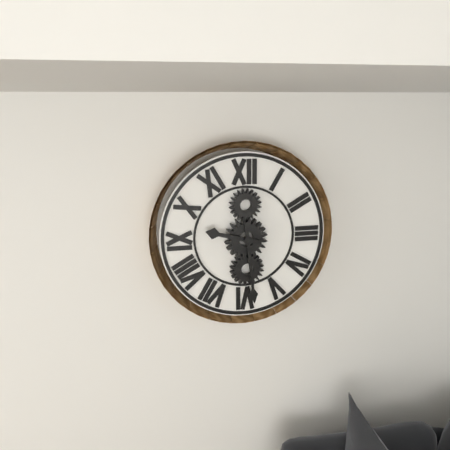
9:29
